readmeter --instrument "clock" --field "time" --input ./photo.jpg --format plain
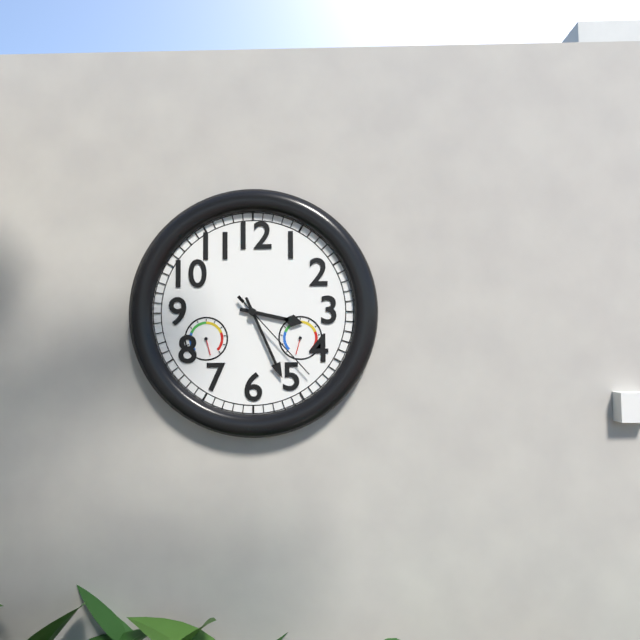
3:26:23
